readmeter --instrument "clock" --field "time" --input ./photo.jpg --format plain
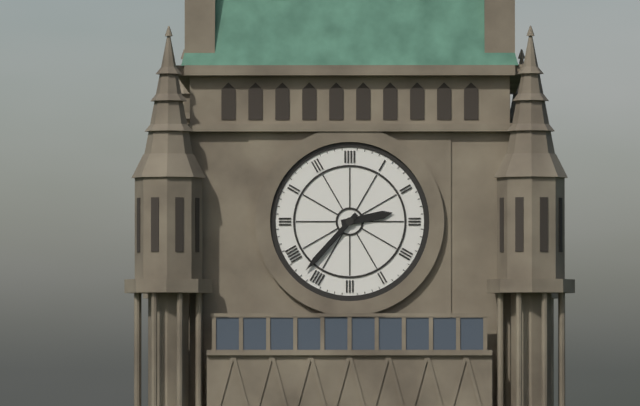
2:37
